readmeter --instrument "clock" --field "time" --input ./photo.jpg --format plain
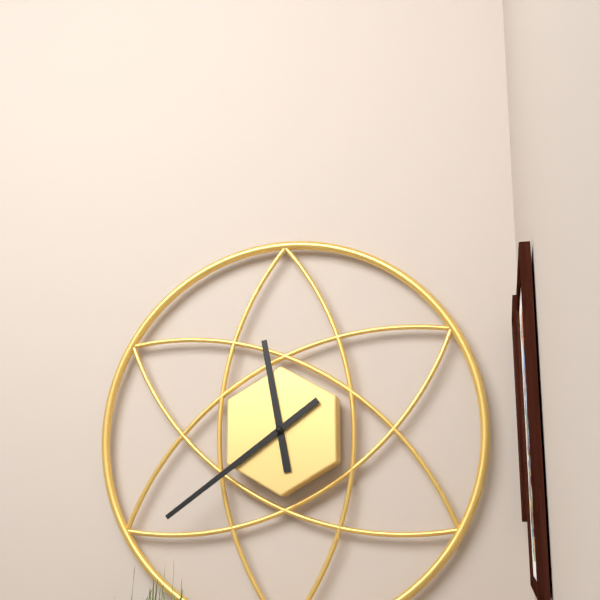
11:39
